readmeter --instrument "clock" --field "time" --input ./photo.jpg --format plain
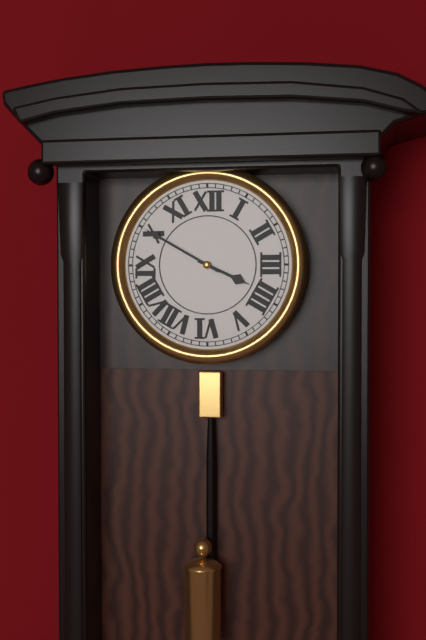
3:50
